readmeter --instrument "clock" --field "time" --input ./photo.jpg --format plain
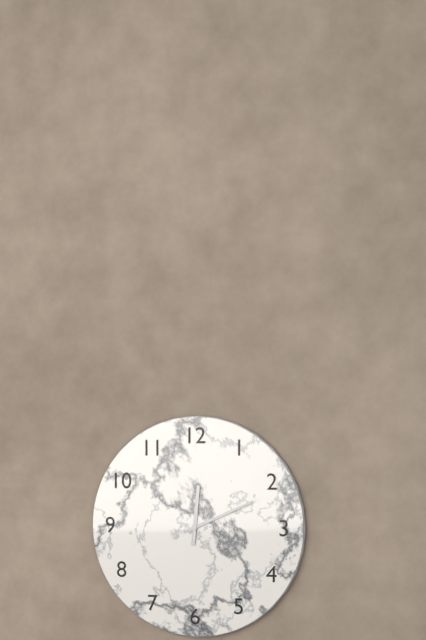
12:11
